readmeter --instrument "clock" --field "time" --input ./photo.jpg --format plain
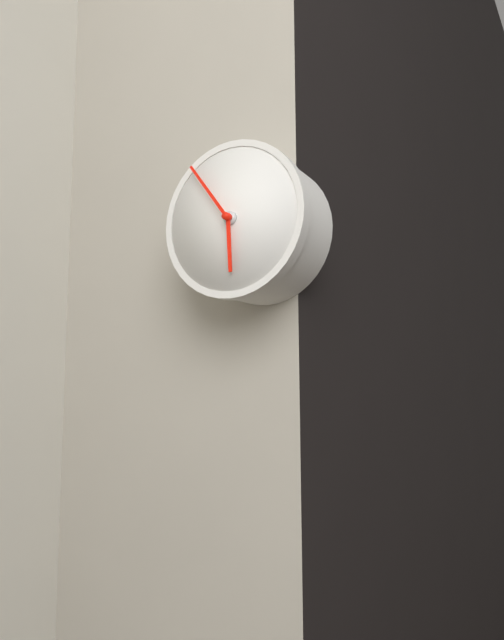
5:54
